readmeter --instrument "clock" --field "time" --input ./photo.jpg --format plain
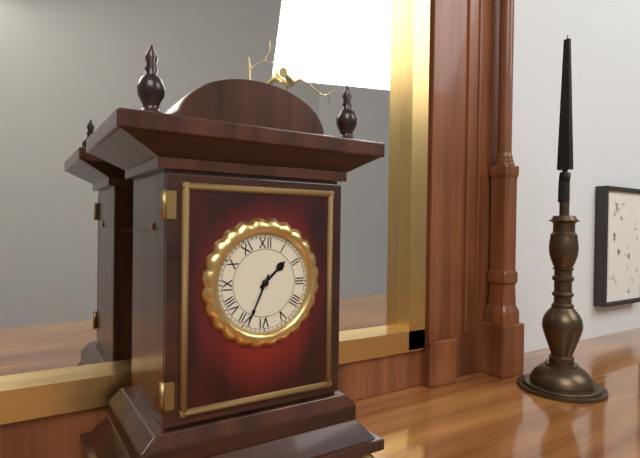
1:34
